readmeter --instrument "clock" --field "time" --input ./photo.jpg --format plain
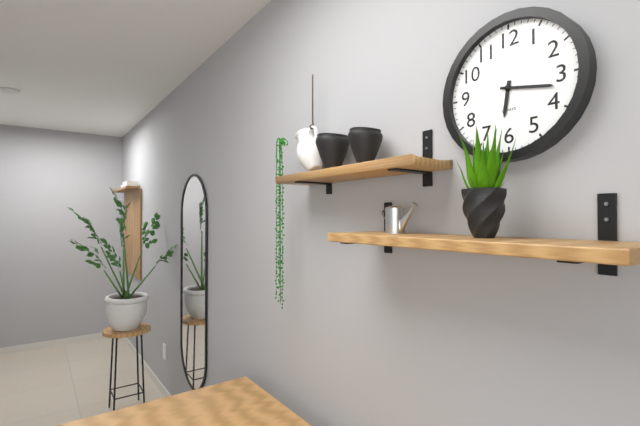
6:17
